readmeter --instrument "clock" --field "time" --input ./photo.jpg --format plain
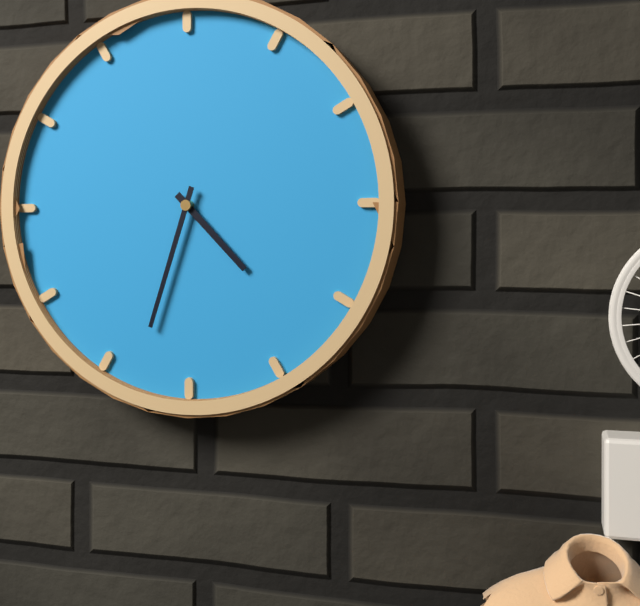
4:33
